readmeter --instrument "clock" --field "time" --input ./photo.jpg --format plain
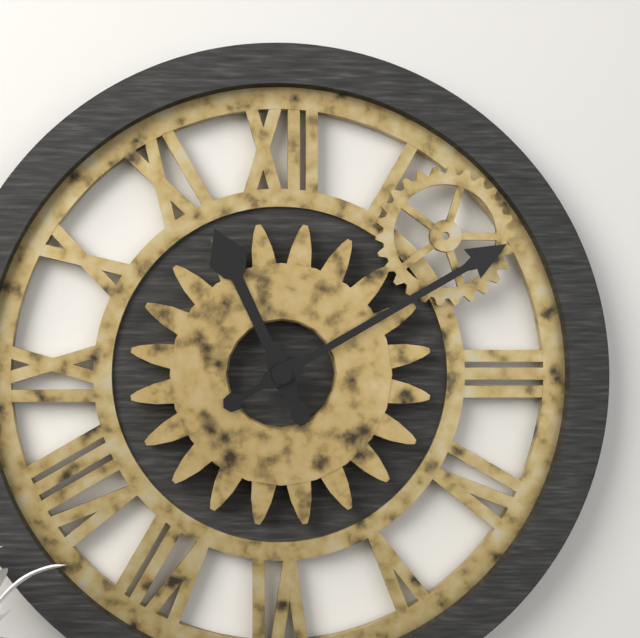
11:10
